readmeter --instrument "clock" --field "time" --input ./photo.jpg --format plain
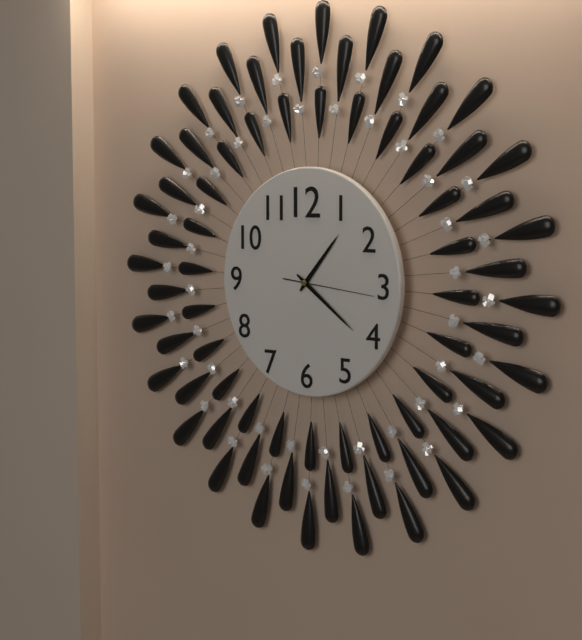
1:21:16
